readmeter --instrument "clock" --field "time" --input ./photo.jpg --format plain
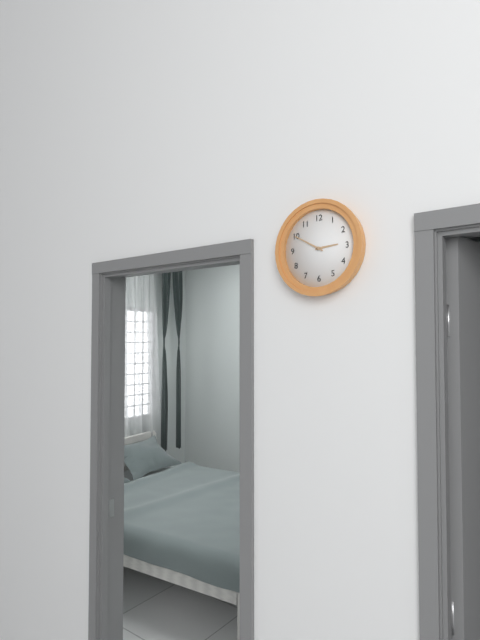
2:50
